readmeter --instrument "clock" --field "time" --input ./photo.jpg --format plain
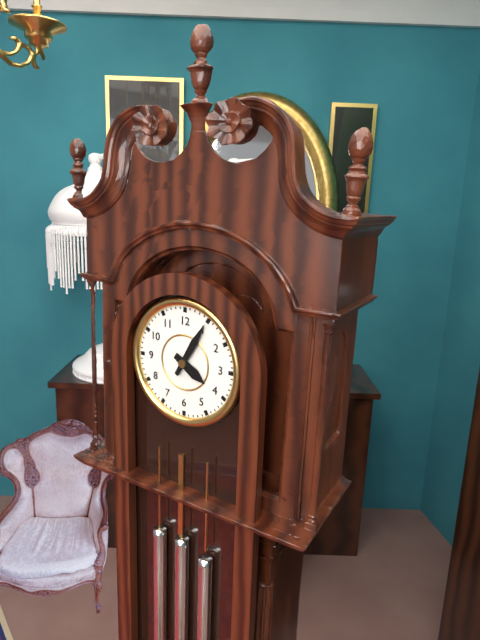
4:05
